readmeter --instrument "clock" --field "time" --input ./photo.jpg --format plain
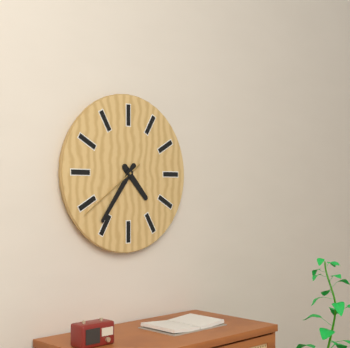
4:36:39
